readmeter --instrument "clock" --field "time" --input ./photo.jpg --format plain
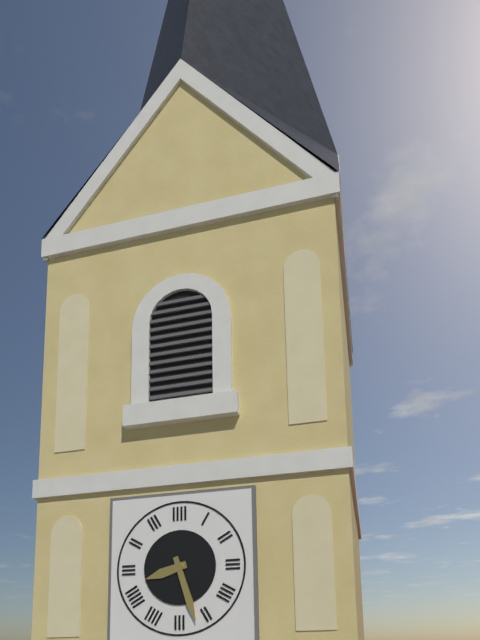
8:27
